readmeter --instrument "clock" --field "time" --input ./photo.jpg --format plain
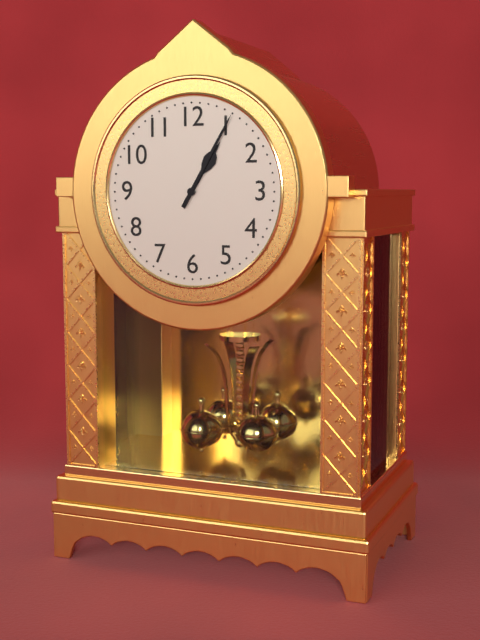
1:05
